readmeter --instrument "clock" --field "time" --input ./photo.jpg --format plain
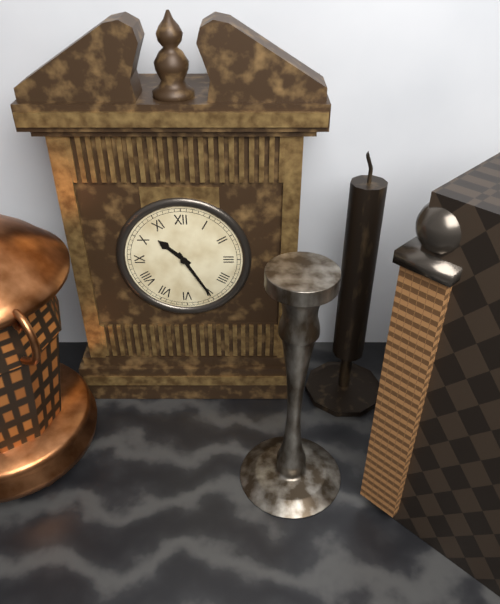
10:25
